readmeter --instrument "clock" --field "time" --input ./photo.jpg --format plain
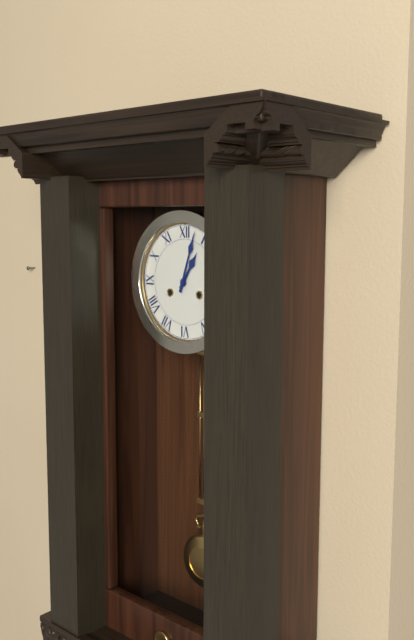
1:03
